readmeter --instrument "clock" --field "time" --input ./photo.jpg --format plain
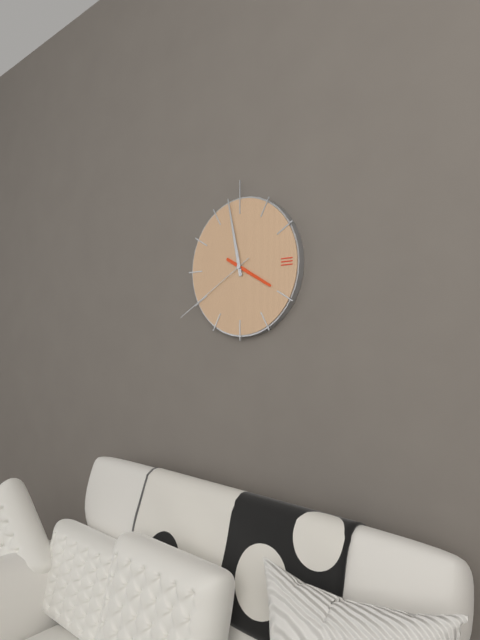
3:58:40
